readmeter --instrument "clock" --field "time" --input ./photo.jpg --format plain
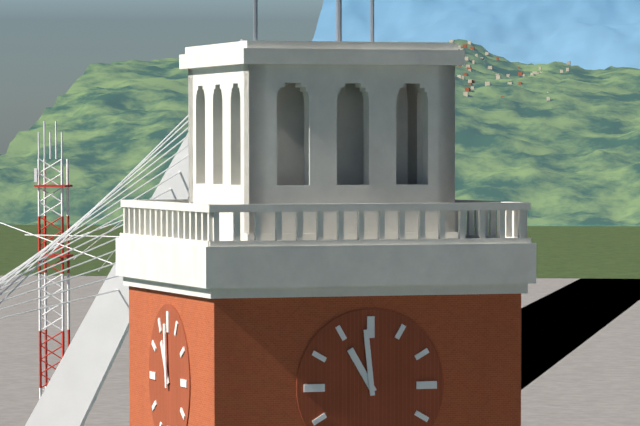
10:59
